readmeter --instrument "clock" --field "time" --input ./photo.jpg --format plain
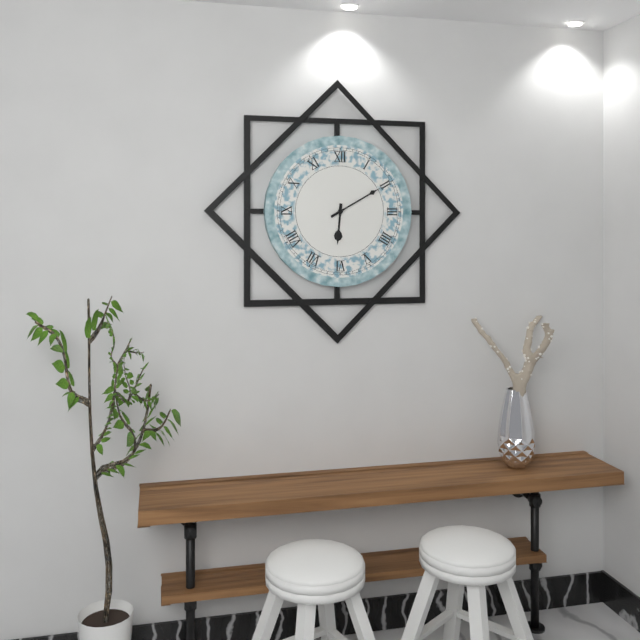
6:10
